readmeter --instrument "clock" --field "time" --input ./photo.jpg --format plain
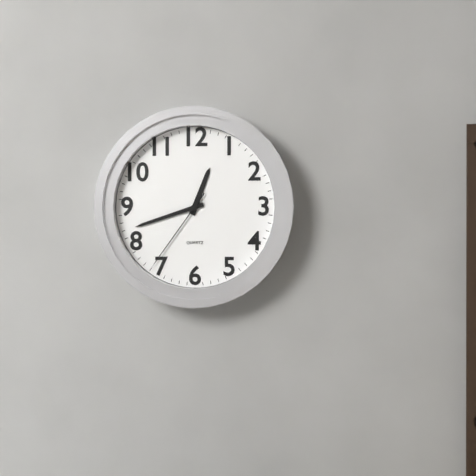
12:42:36
